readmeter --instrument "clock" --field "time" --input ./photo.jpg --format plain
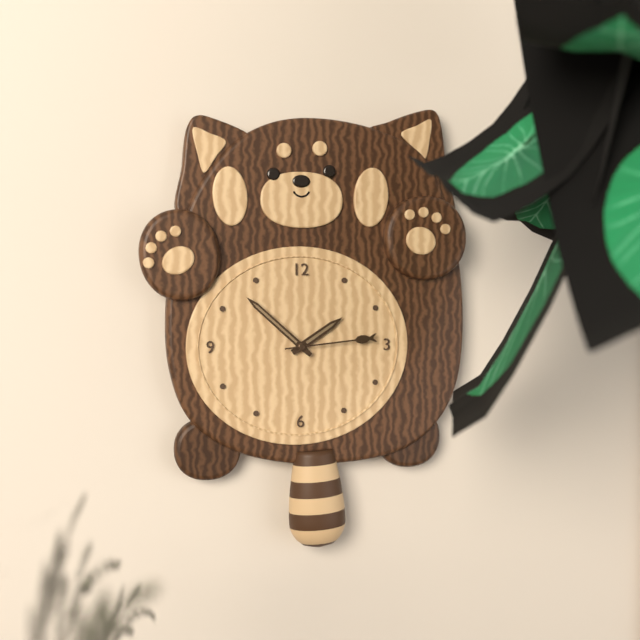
1:52:14
